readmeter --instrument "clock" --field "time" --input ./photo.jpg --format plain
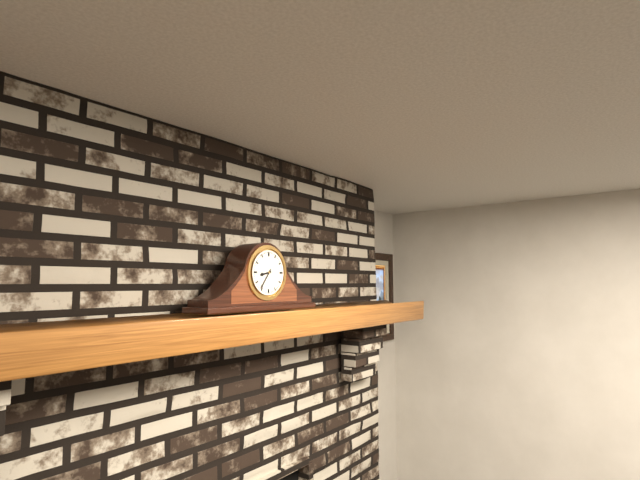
8:36
